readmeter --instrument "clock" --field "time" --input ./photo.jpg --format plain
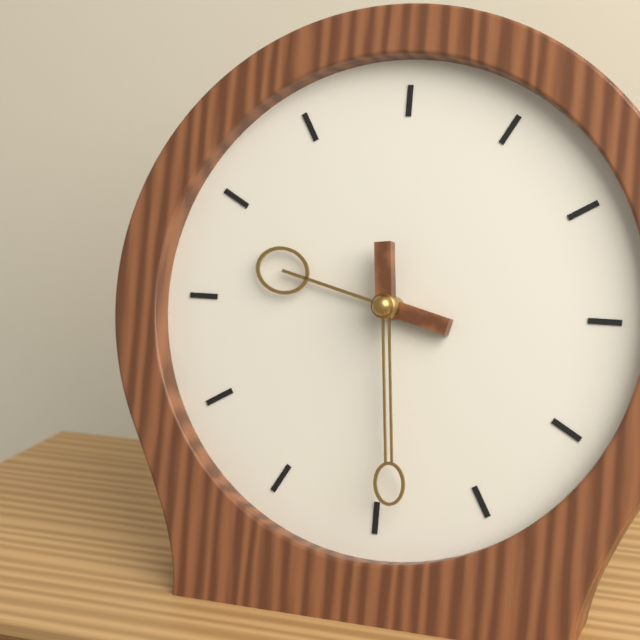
9:29
